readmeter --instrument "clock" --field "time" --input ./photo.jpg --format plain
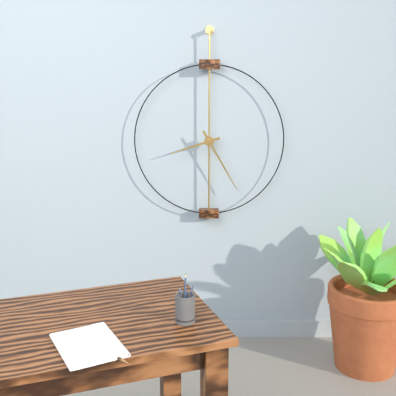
8:25
